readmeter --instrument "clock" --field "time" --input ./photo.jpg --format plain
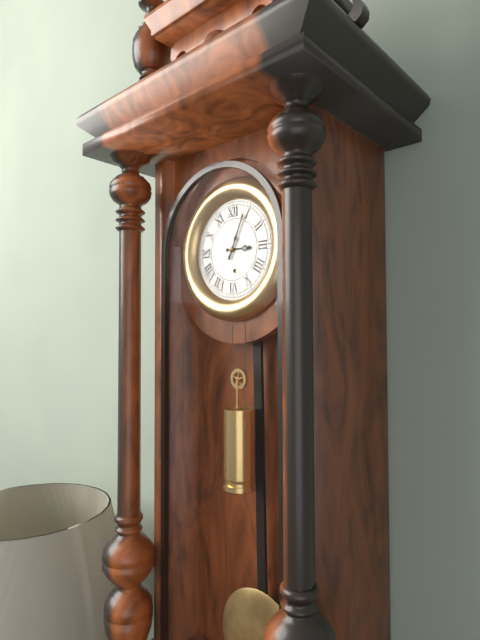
3:04
